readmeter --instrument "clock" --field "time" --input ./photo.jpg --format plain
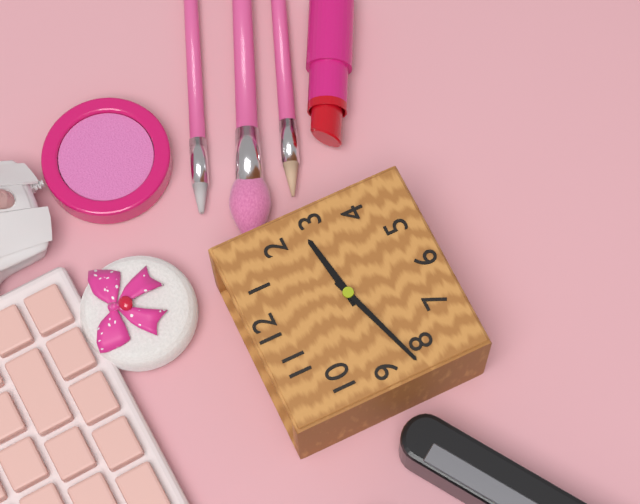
2:42
